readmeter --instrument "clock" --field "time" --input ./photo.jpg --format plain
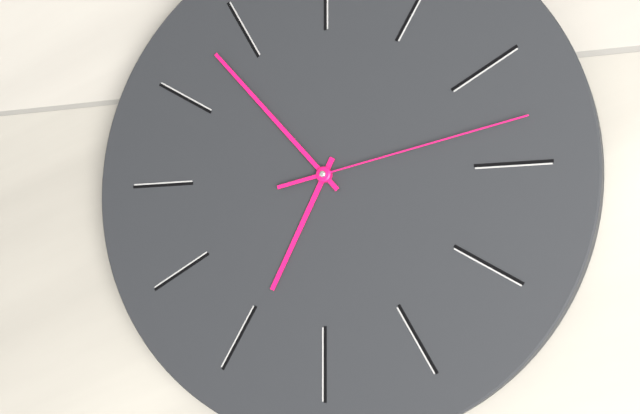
6:53:13
